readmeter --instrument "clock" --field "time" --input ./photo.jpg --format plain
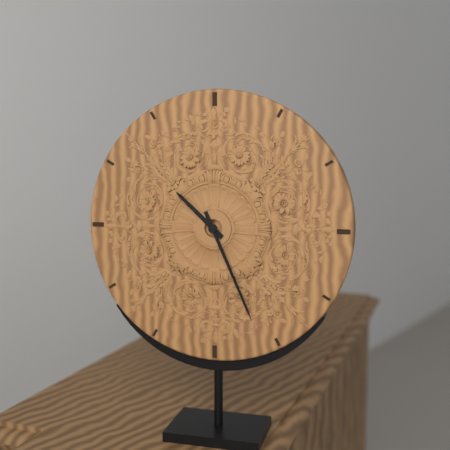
10:26
